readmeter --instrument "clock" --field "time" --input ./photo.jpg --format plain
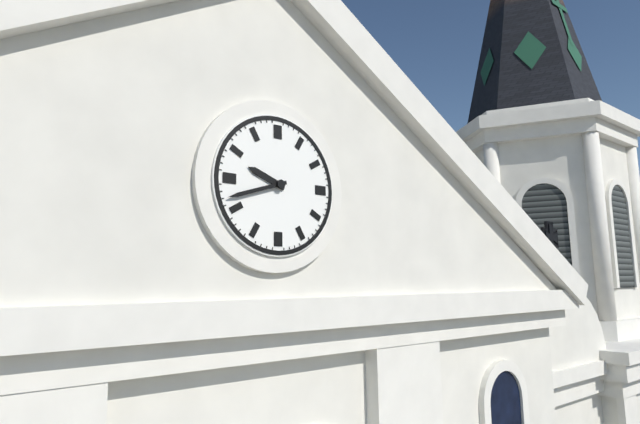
9:42
